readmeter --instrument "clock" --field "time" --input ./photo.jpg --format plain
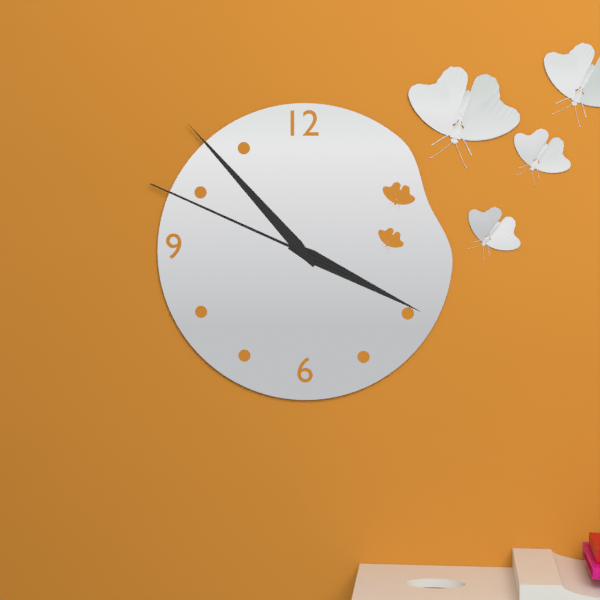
3:53:49
